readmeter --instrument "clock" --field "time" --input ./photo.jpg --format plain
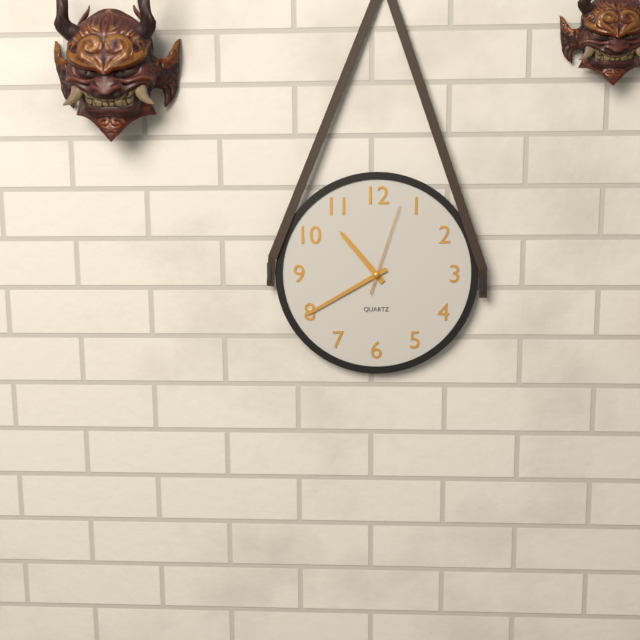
10:40:03
